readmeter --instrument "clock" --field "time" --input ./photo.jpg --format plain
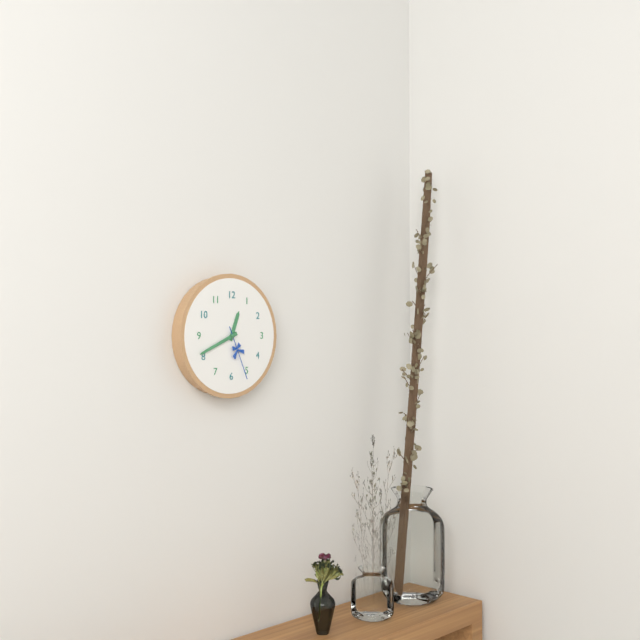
12:41:26
